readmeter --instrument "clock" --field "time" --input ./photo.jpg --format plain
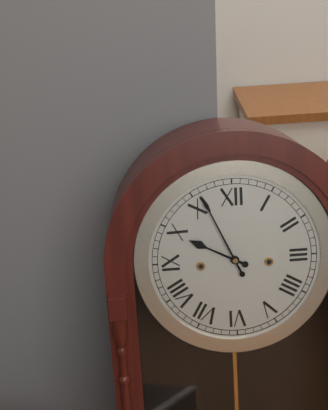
9:56
